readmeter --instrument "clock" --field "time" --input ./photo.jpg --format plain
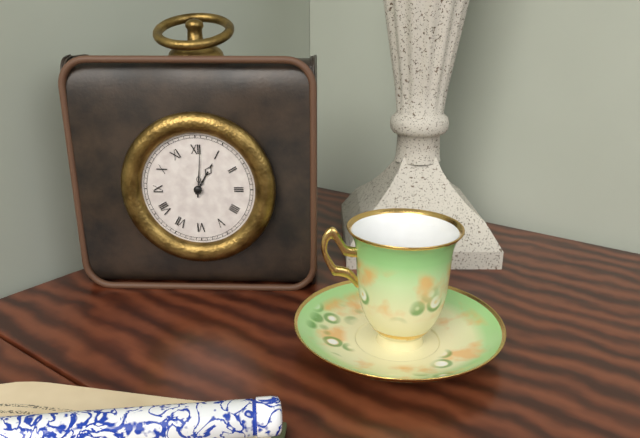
1:01
